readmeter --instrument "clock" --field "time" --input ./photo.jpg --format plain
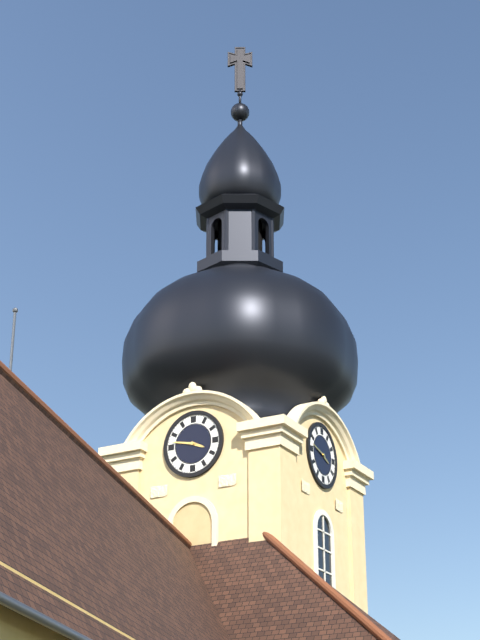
3:47
